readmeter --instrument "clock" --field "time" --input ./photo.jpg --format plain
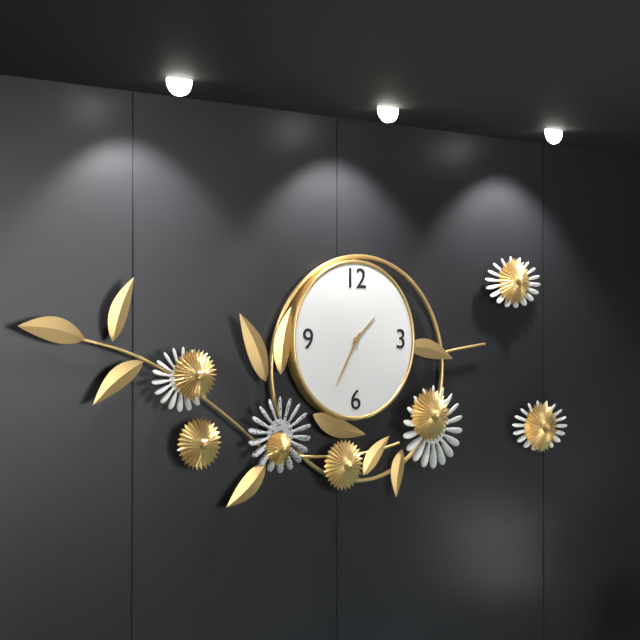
1:35
